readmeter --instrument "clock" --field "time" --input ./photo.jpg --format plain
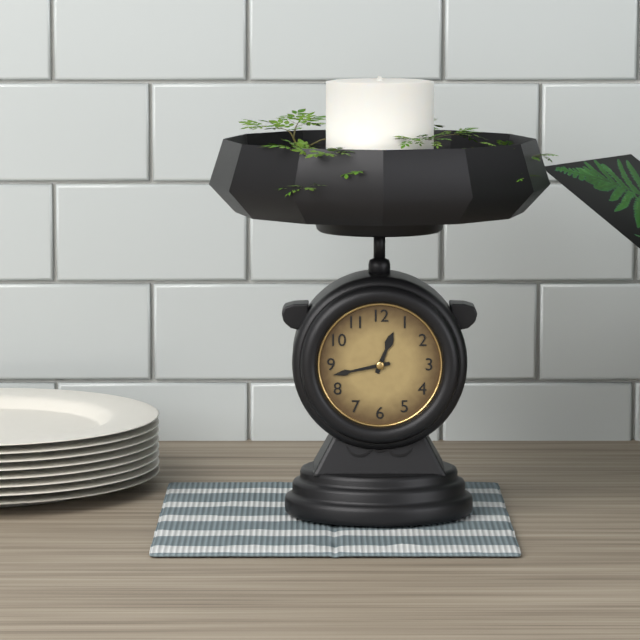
12:43
